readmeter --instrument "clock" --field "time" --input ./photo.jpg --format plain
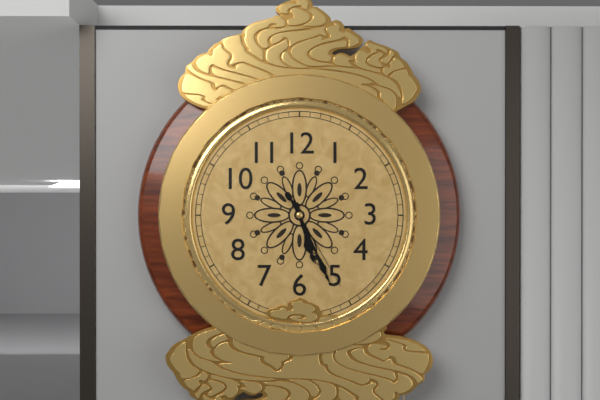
5:26:25
